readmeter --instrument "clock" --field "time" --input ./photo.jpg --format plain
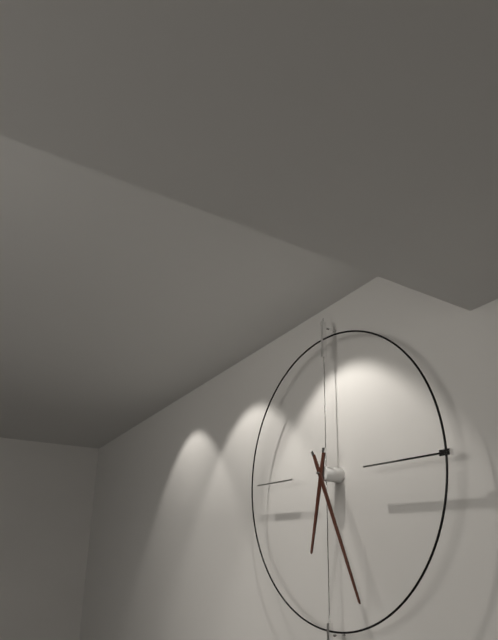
6:26
